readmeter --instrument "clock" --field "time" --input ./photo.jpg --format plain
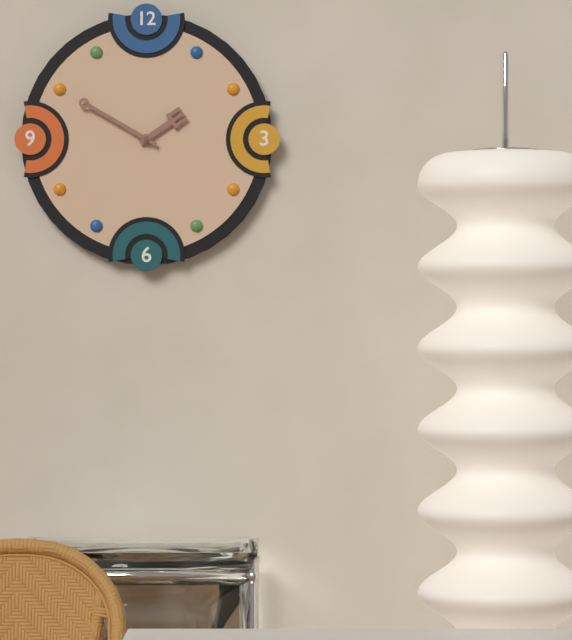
1:50
